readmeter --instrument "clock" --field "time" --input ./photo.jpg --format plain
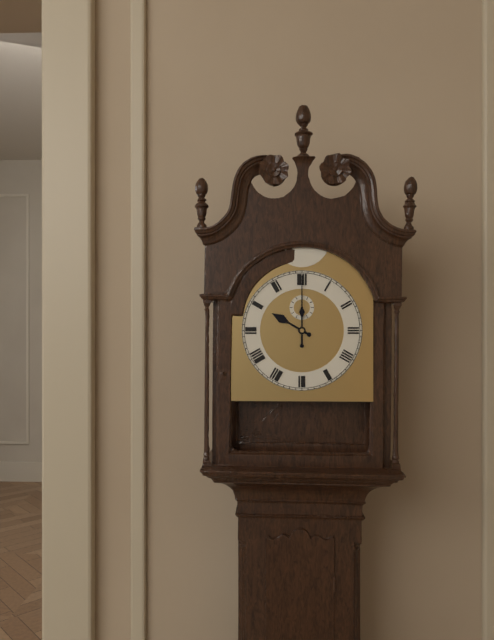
10:00
